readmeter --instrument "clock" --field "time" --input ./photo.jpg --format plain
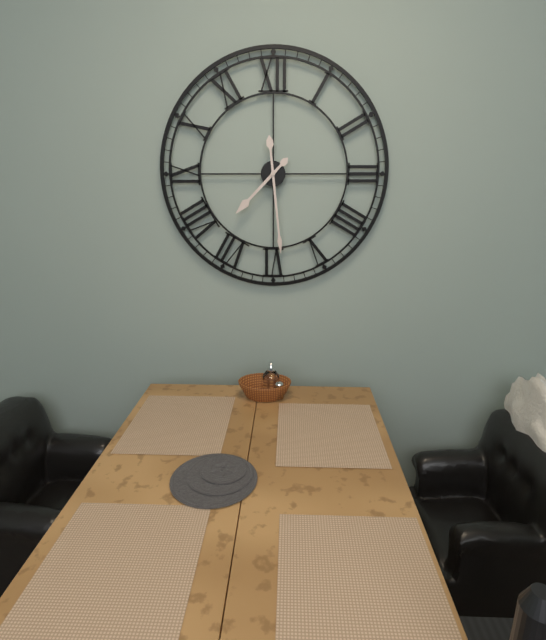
7:29
